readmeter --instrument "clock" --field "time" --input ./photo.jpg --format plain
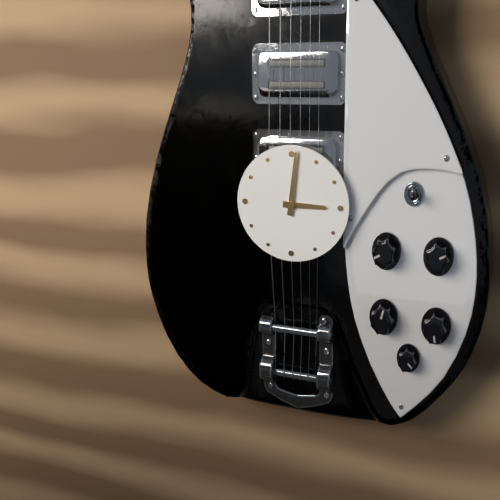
3:01
